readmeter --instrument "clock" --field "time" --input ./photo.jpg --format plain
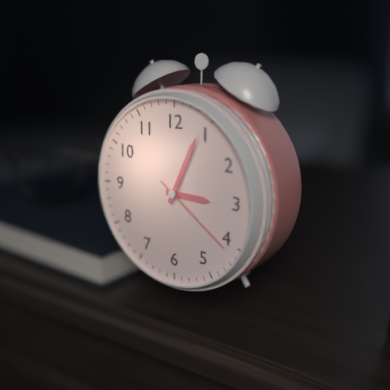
3:04:21
